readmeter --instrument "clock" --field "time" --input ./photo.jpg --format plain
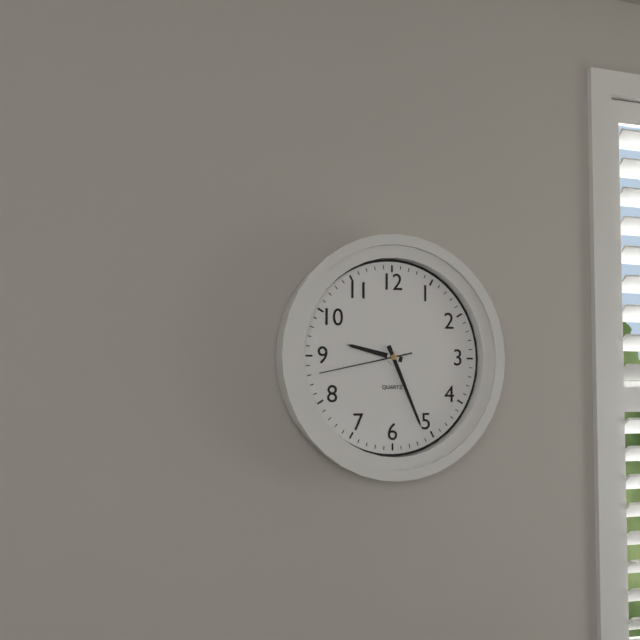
9:26:43
